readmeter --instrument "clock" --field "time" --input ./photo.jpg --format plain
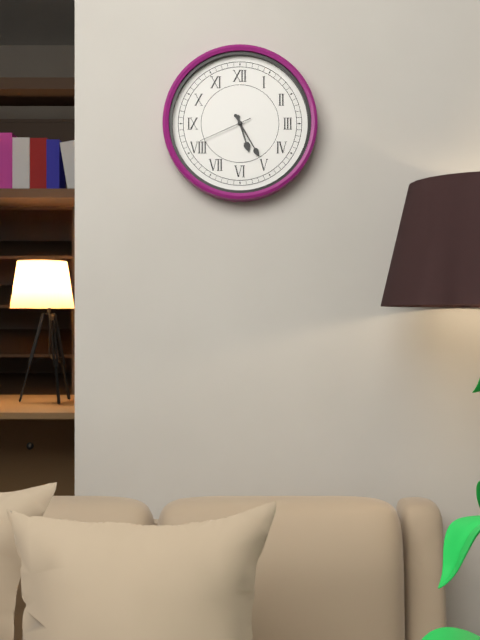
5:25:41
